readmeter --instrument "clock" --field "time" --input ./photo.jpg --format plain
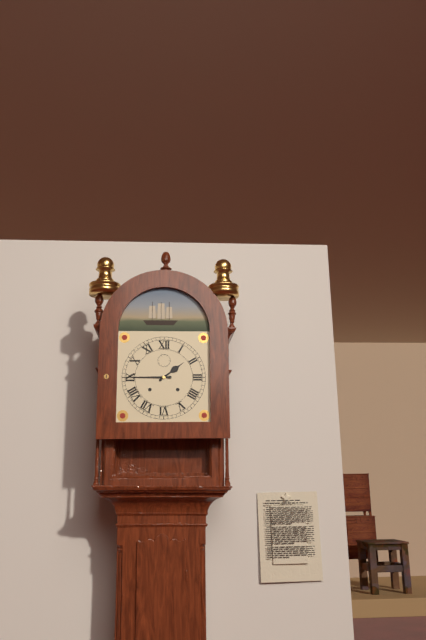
1:45
